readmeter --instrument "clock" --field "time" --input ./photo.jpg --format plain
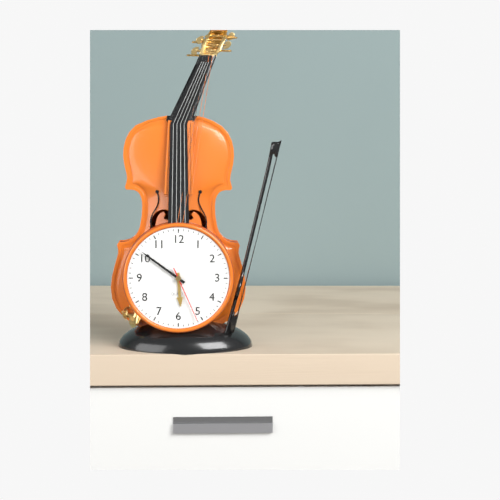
5:51:26
